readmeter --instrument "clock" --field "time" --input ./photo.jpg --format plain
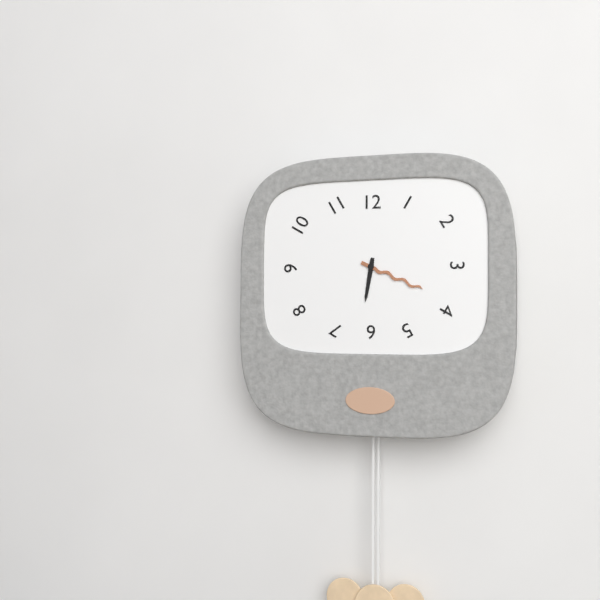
6:19
